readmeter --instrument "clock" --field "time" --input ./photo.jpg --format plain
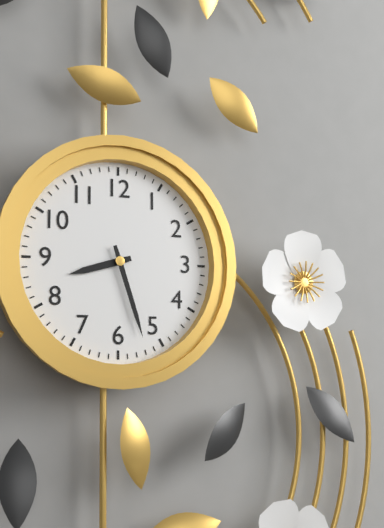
8:27
